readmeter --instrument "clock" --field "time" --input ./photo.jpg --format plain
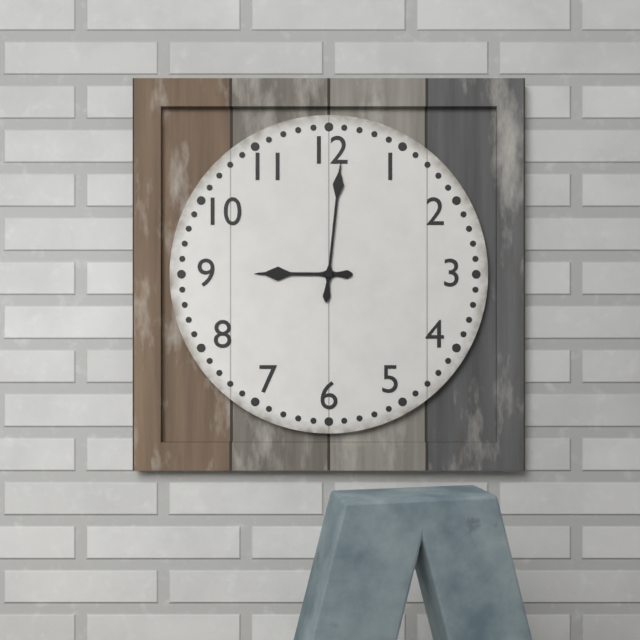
9:01
